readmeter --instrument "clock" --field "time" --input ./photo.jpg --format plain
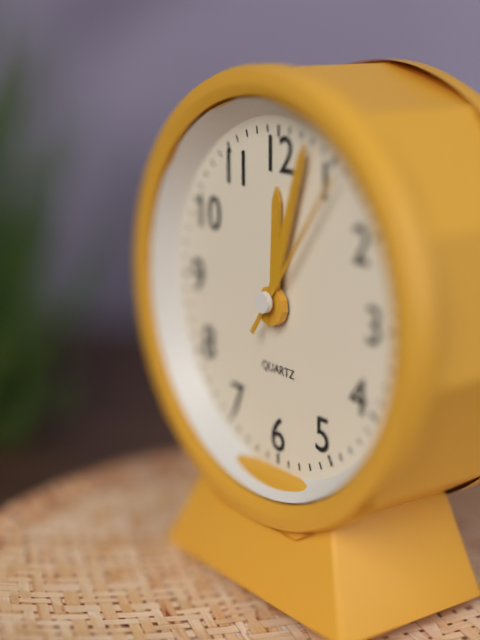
12:03:06
